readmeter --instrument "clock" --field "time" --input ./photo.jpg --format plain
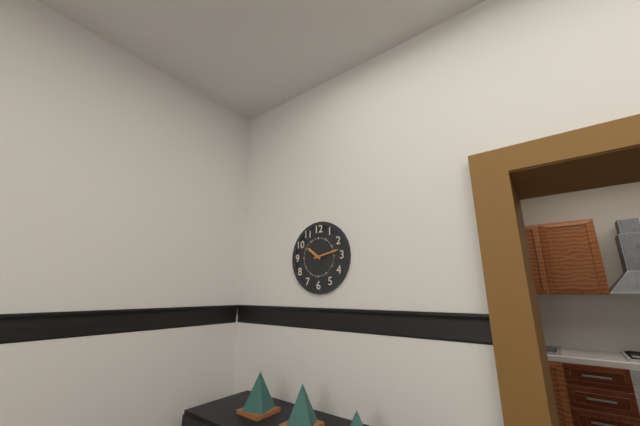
10:13
